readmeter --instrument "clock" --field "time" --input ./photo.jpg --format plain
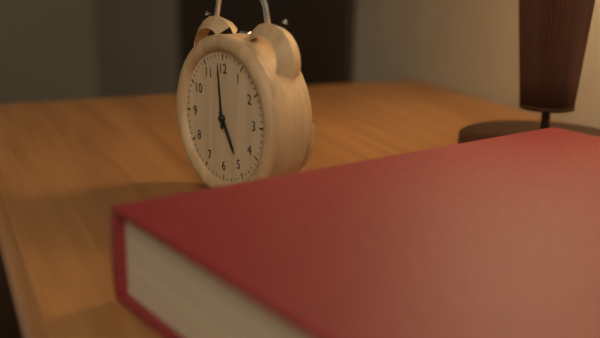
4:59
